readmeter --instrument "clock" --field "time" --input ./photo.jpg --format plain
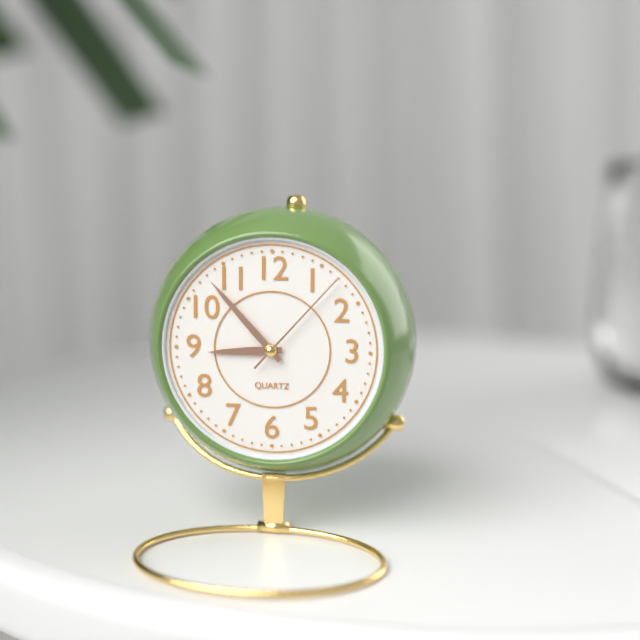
8:53:07
